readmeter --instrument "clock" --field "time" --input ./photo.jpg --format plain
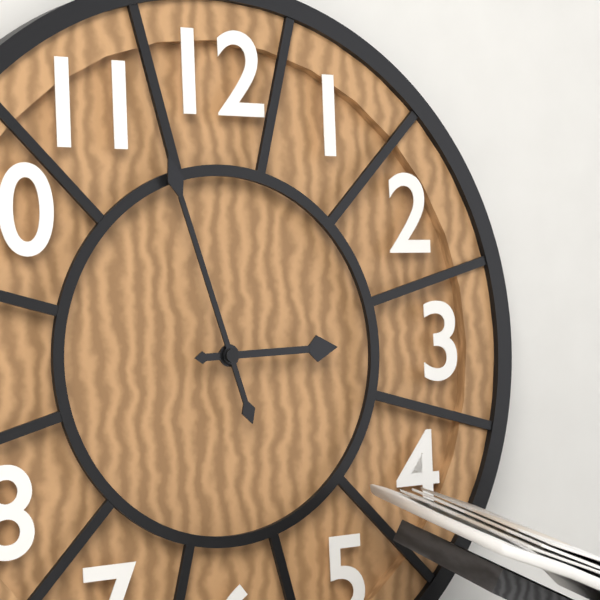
2:57
